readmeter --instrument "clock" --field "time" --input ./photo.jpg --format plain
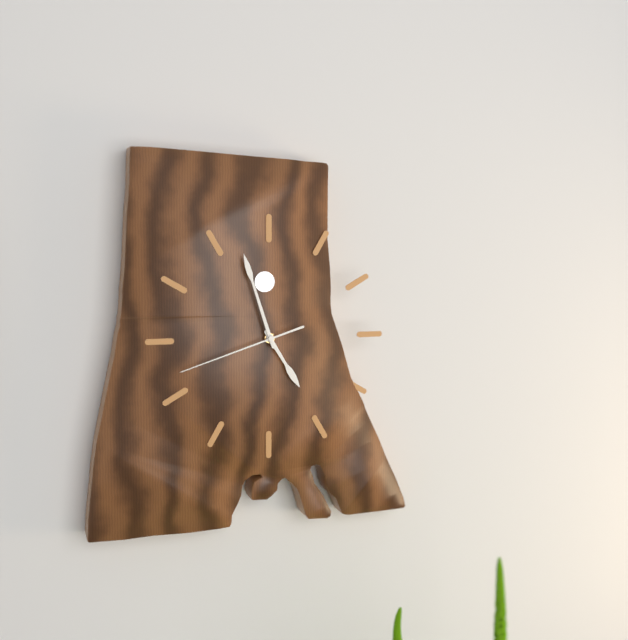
4:57:42
